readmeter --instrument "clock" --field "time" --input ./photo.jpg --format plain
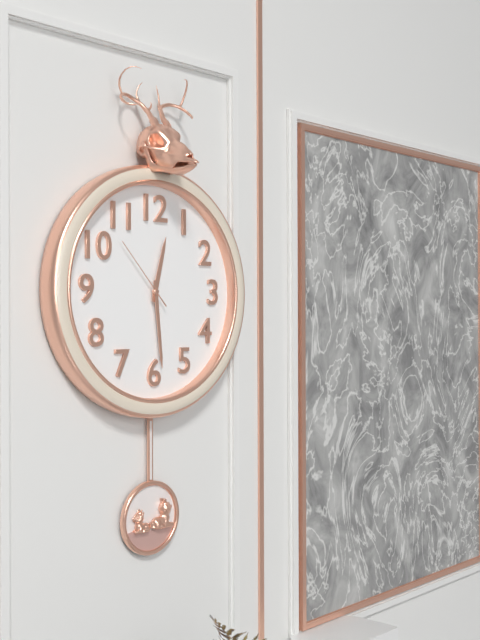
12:29:53
